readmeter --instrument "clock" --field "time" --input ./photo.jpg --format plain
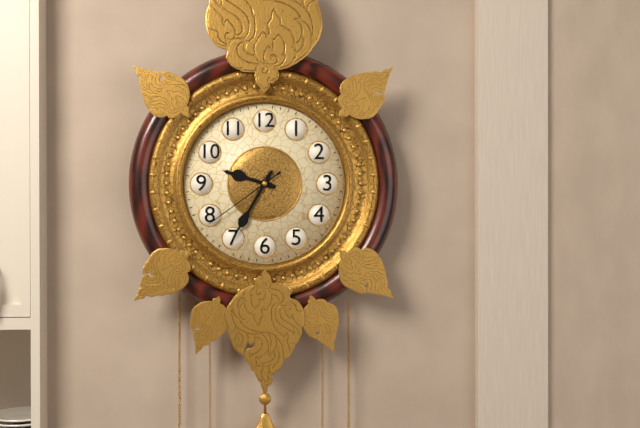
9:35:39
